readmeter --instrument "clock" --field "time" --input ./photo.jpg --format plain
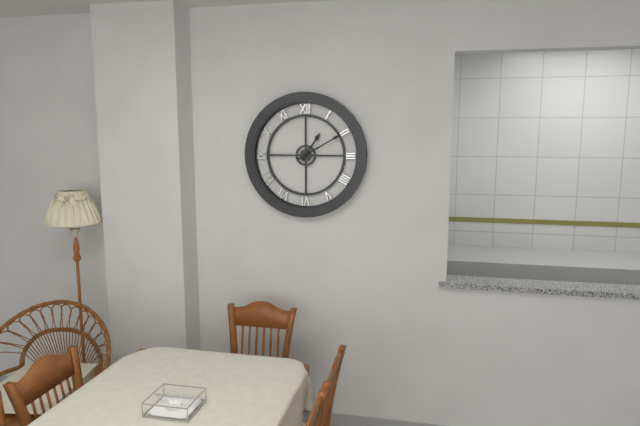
1:10
